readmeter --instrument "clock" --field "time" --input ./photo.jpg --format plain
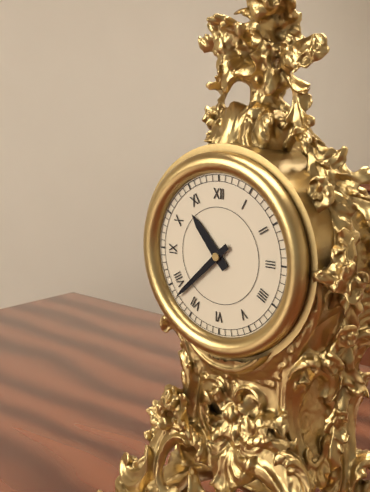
10:38
